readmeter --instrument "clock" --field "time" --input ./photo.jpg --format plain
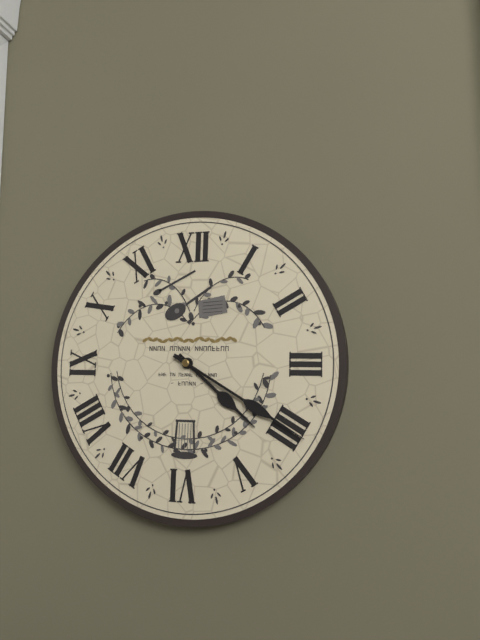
4:20
